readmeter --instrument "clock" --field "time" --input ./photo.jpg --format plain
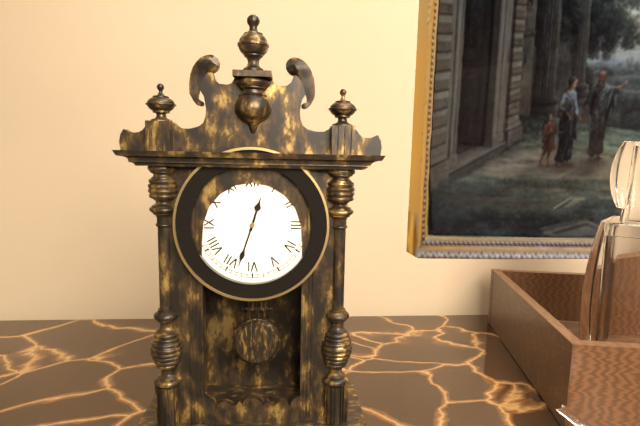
12:33
